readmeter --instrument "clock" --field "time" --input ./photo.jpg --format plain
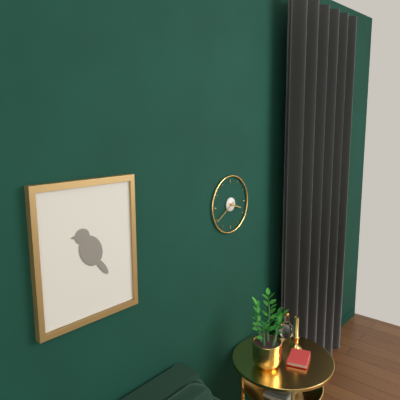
3:40
